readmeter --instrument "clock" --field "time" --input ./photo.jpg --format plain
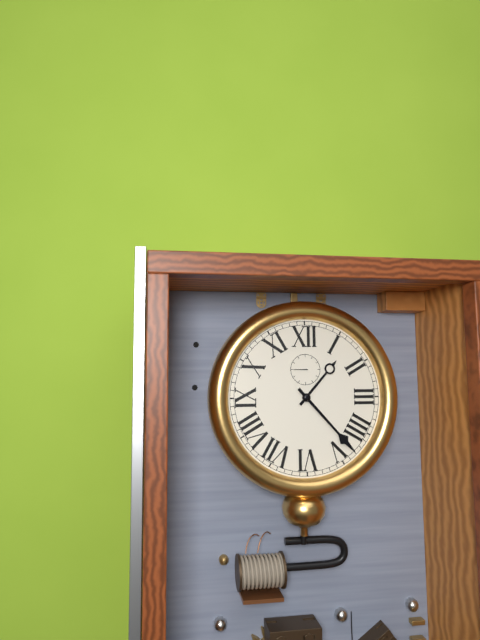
1:23
